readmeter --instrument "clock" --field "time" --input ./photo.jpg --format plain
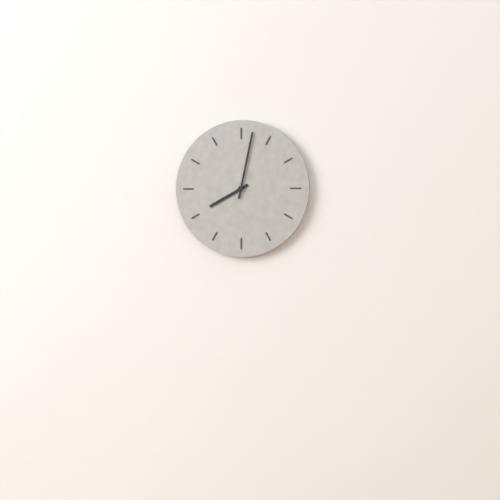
8:02
